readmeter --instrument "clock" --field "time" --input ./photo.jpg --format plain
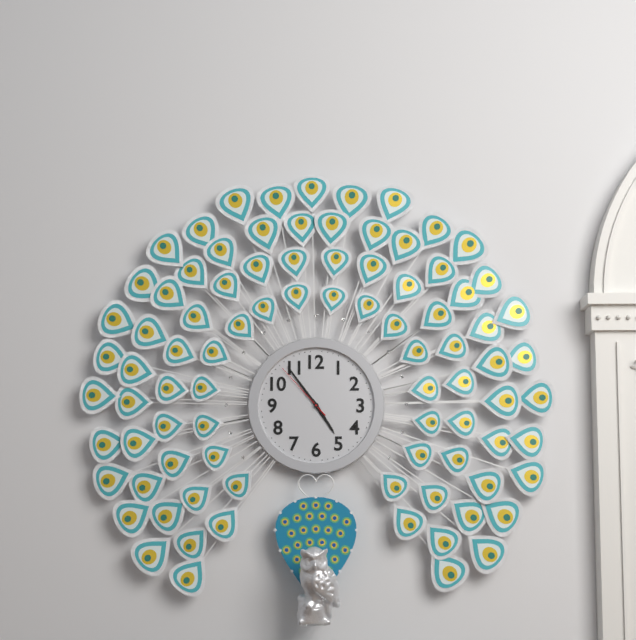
4:54:53
